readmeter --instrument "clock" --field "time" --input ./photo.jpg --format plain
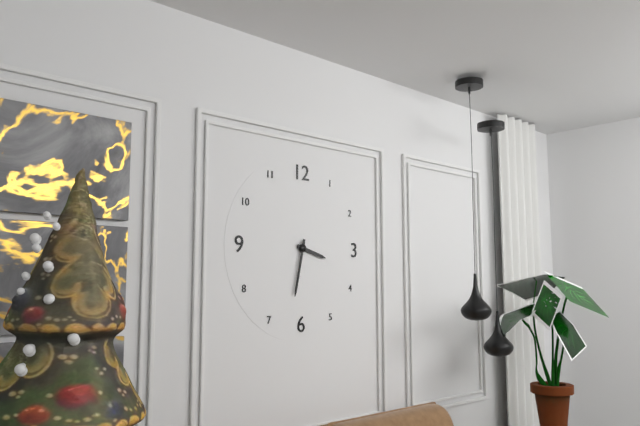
3:32
